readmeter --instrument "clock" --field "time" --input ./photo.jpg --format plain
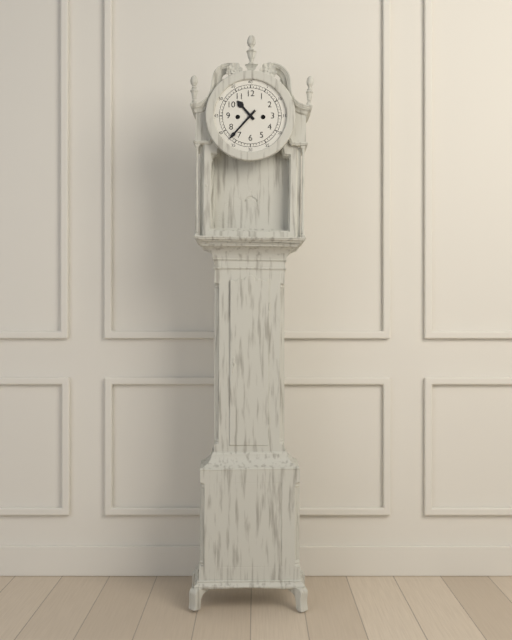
10:37
